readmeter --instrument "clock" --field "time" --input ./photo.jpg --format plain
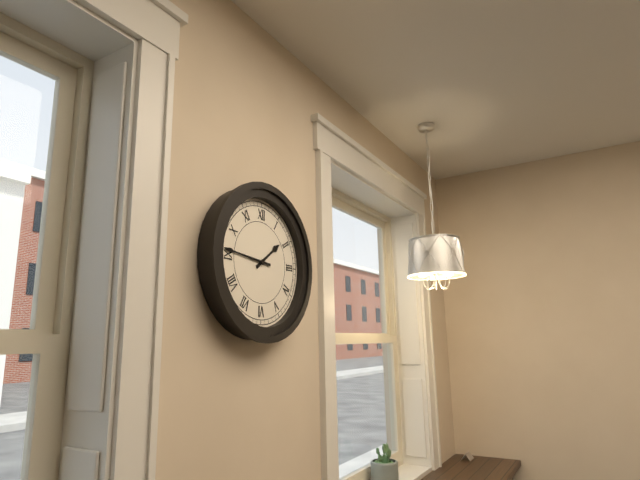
1:46
